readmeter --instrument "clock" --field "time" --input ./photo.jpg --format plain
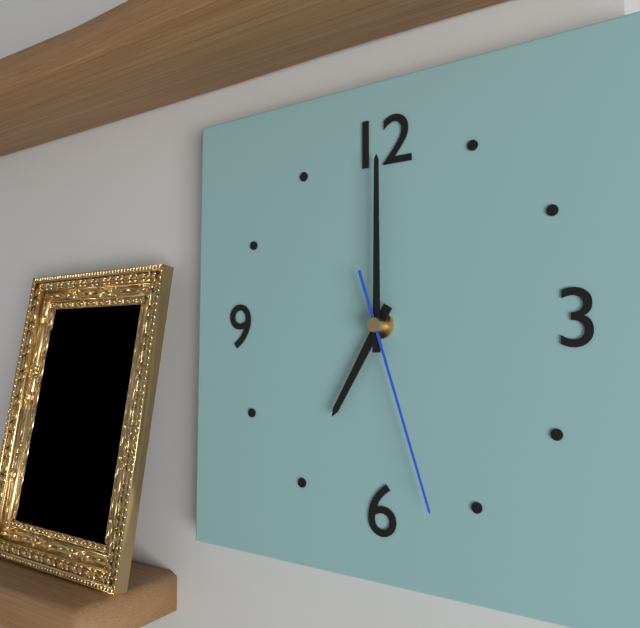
7:00:27
